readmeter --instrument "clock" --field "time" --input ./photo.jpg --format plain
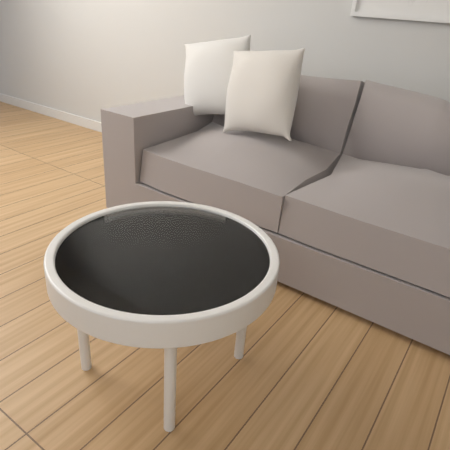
11:31
